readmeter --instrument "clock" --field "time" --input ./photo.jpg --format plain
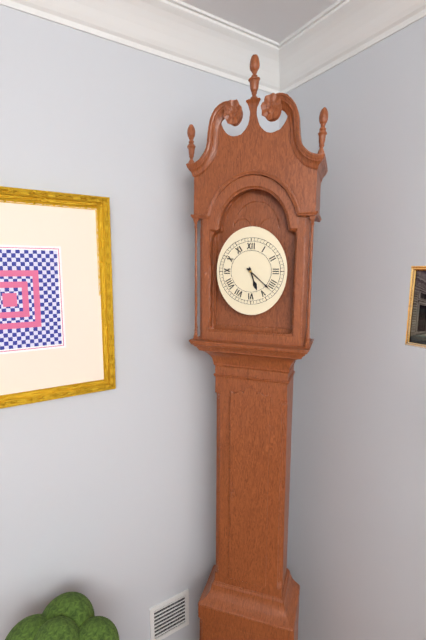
5:22
